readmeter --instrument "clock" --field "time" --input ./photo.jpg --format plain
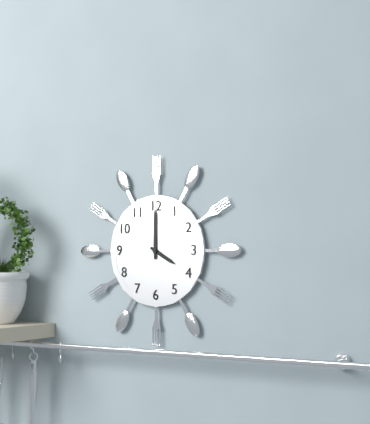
4:00
